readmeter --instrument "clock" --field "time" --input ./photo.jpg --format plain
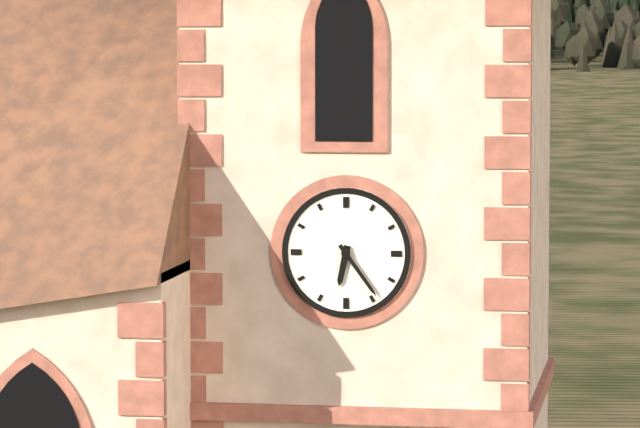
6:24
